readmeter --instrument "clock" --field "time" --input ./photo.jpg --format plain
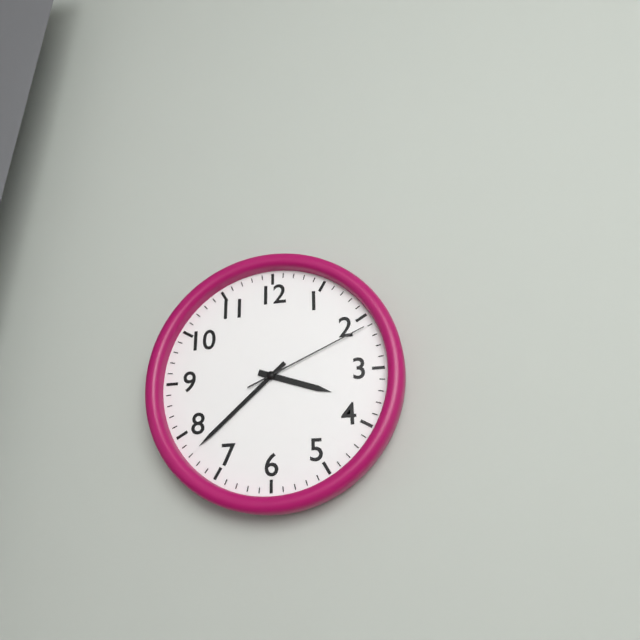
3:38:11
